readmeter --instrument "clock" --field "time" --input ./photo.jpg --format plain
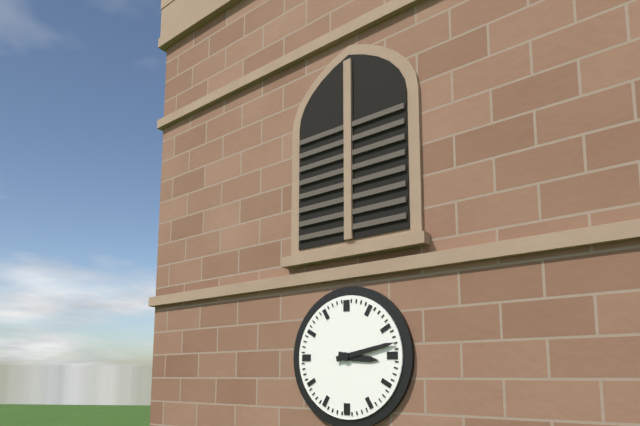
3:13
